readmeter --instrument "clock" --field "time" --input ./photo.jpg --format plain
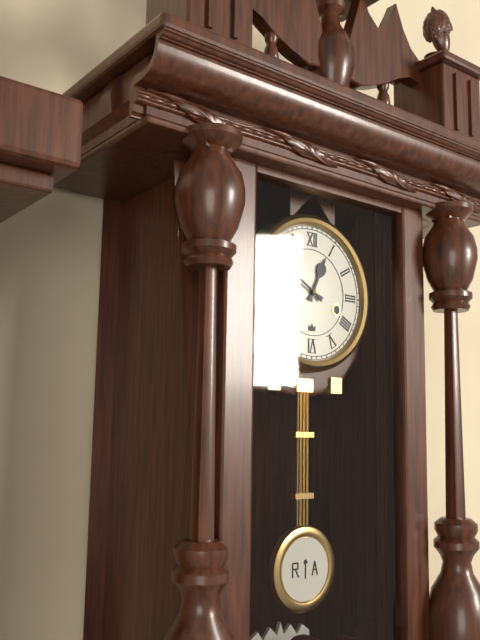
12:50
